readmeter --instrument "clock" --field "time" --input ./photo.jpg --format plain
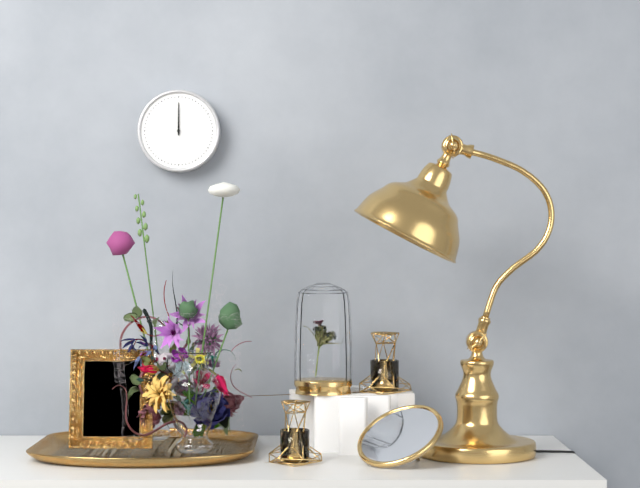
12:00
